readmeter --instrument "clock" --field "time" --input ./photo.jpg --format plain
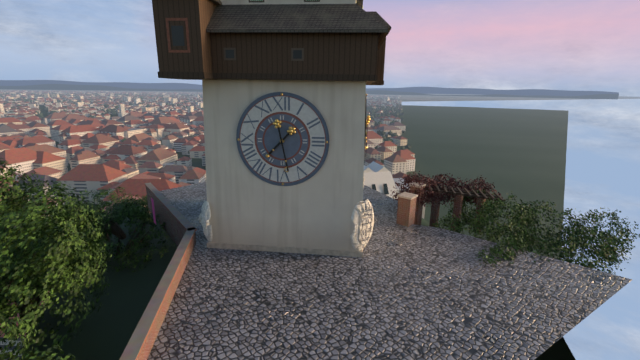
7:28
